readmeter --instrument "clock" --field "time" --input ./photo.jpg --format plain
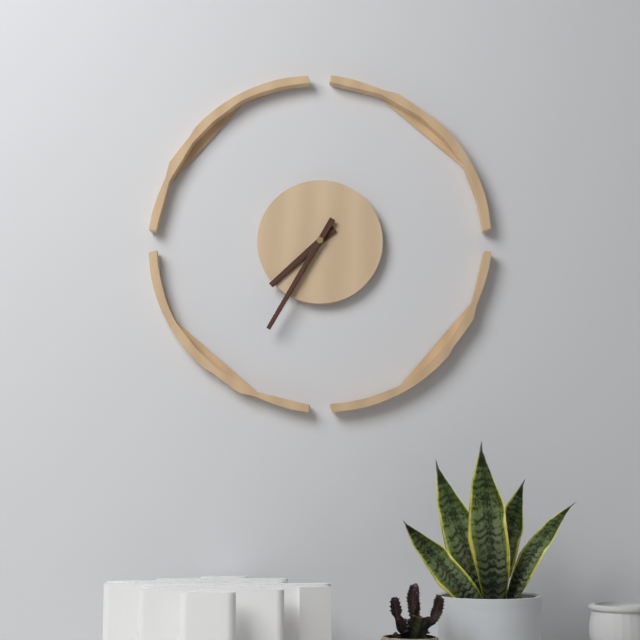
7:35
